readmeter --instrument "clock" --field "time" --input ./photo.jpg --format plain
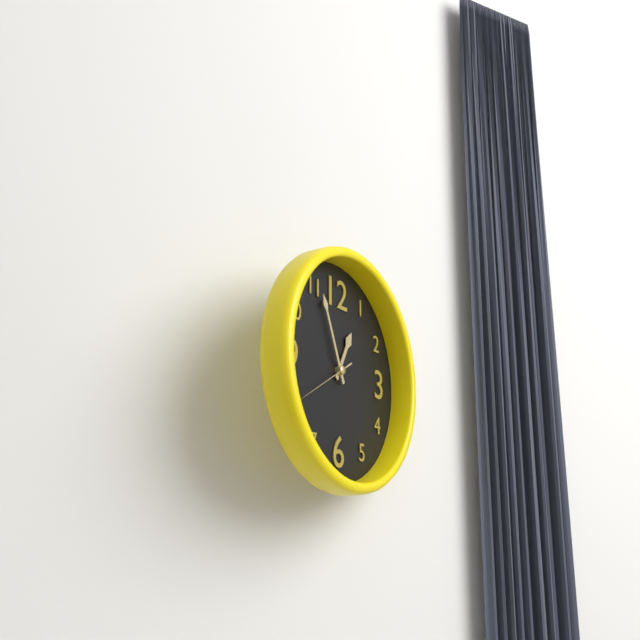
12:56:40
